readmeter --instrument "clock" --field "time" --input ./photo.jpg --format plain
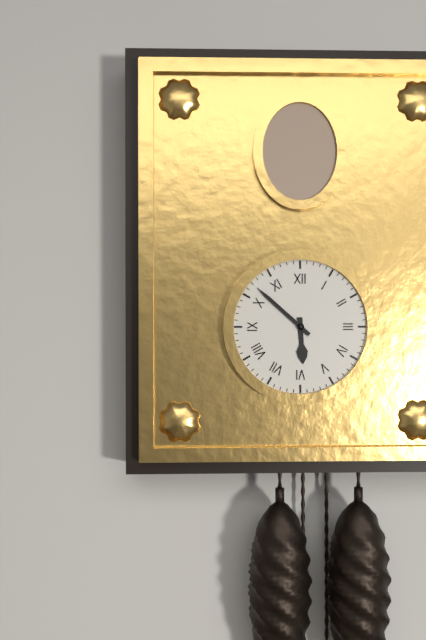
5:52
